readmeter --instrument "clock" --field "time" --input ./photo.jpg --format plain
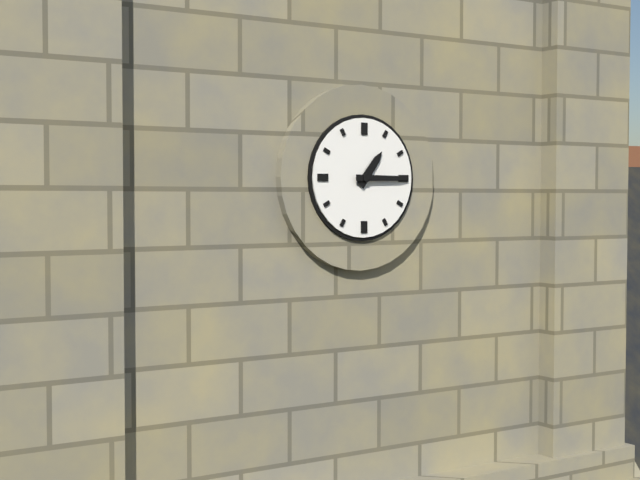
1:15
